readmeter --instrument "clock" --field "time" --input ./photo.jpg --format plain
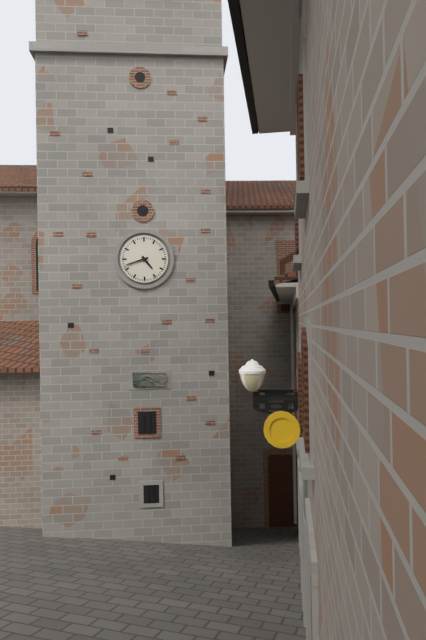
4:42
